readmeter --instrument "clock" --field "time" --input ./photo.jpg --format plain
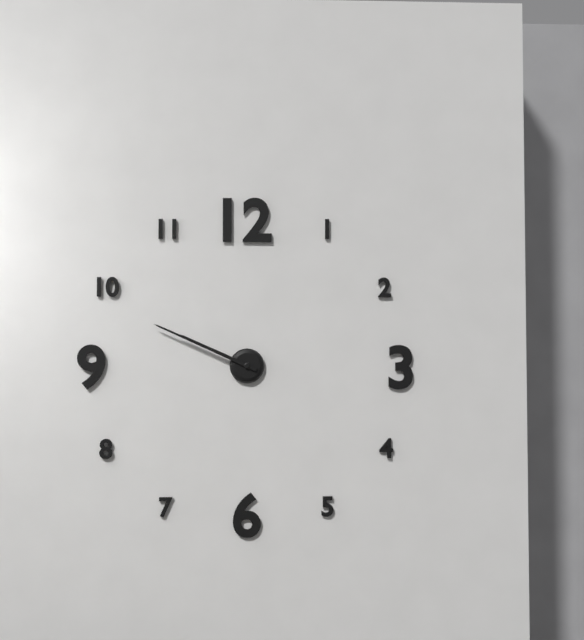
9:49
